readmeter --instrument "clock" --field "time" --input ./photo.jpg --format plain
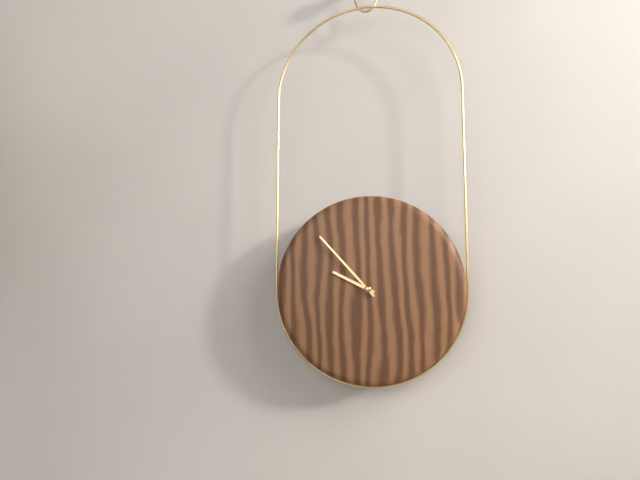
9:53
